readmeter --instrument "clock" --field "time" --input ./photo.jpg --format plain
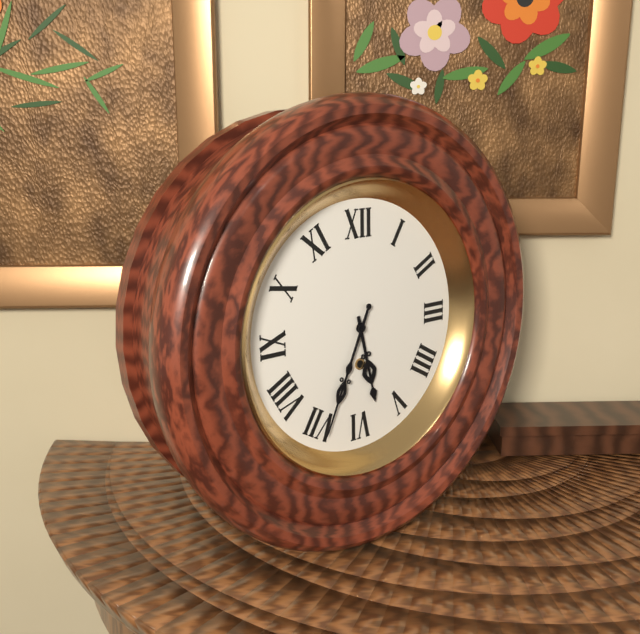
5:34
